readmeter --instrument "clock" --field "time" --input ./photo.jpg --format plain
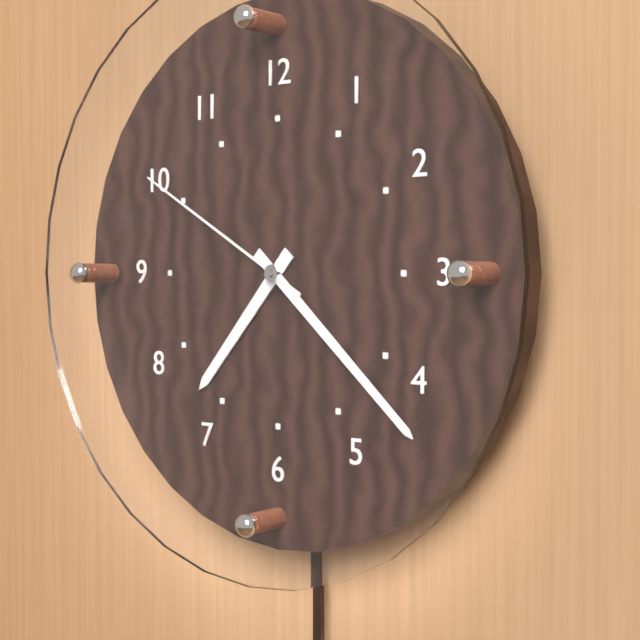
7:22:50
